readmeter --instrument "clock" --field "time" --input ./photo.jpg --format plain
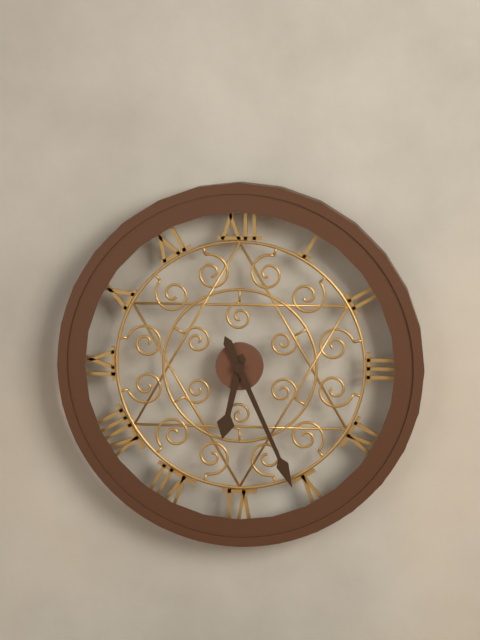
6:26
